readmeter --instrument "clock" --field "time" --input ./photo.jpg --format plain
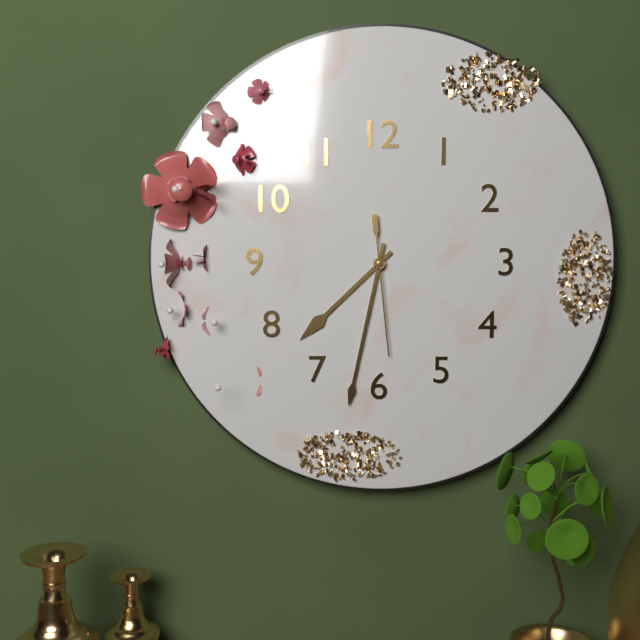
7:32:29
